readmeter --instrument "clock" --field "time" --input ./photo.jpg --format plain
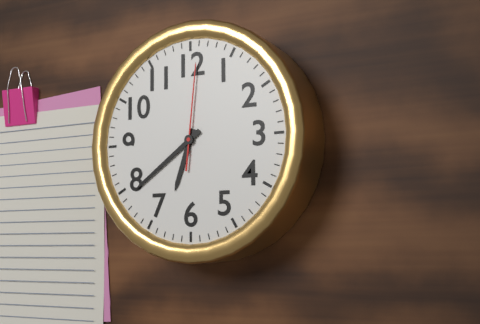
6:39:01
